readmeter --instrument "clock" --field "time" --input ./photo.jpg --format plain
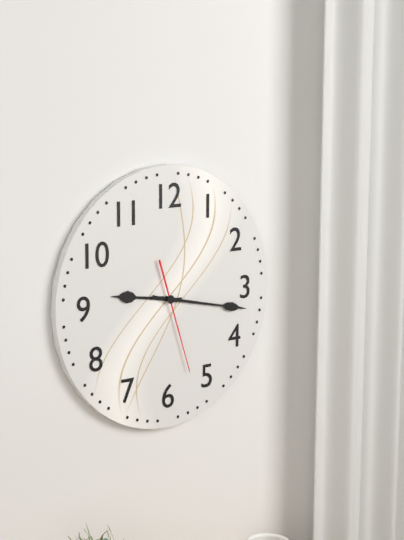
9:17:27
